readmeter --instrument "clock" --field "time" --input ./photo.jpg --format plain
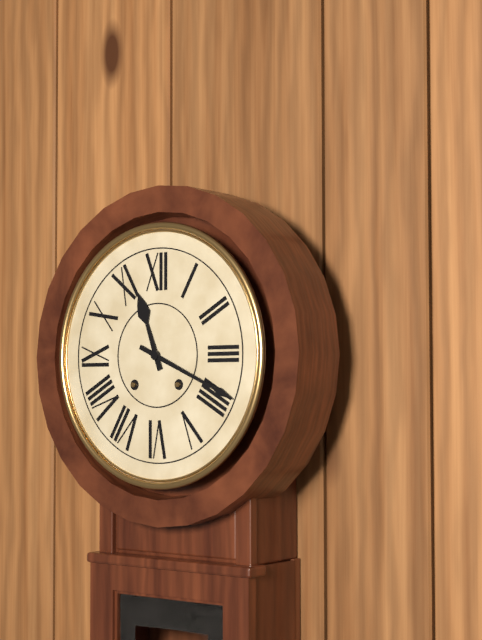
11:19
